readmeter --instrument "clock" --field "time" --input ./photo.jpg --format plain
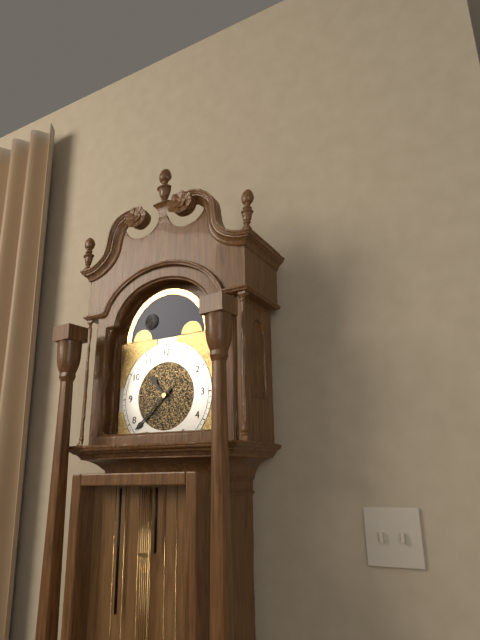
10:38
